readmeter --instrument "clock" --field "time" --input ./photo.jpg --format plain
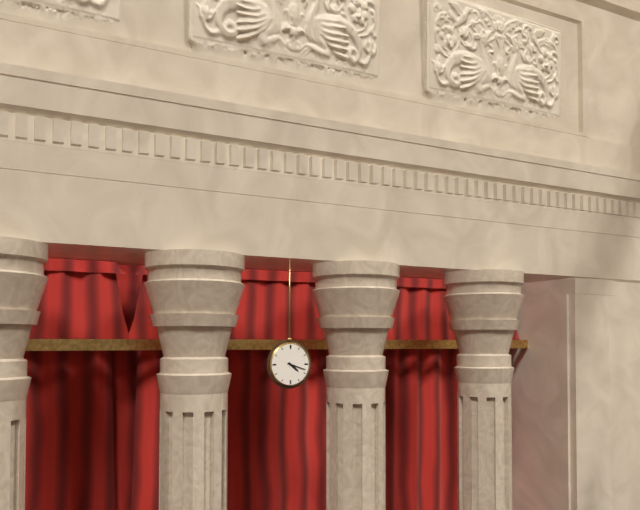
4:18
